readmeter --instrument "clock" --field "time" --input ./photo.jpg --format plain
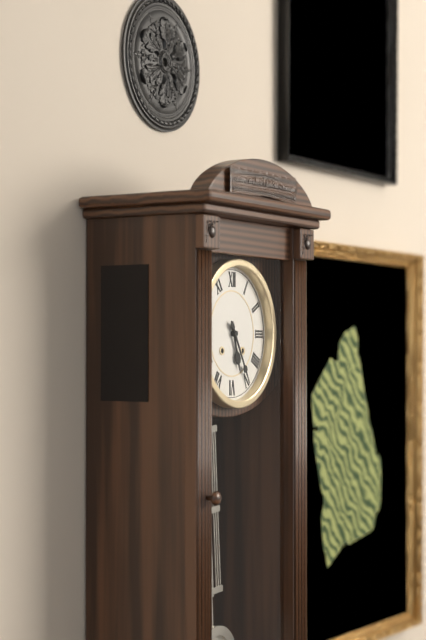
5:25
